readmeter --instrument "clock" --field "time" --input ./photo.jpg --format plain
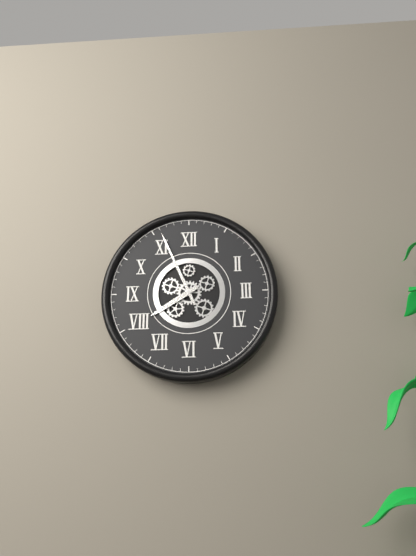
7:56
